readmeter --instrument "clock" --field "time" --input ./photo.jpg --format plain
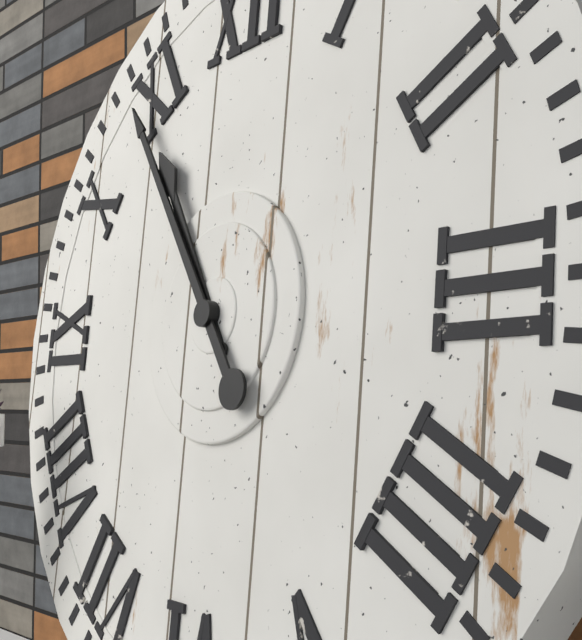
10:54
